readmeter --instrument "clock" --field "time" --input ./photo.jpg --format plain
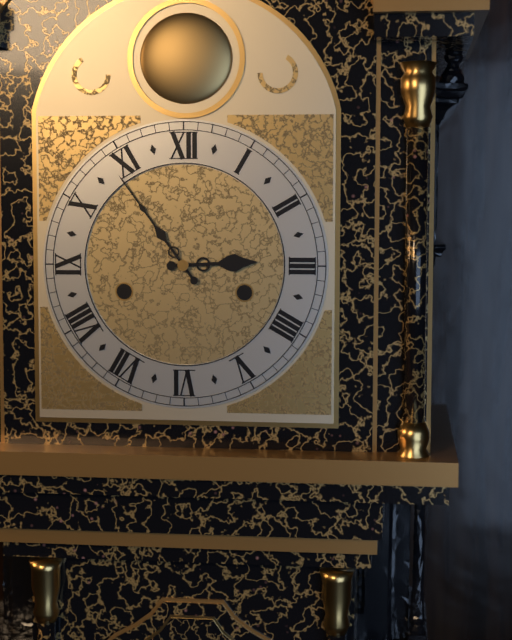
2:54
